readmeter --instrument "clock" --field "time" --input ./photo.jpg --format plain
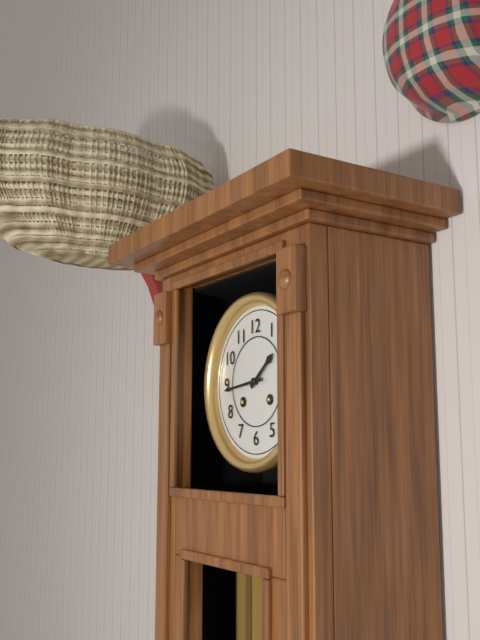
1:44
